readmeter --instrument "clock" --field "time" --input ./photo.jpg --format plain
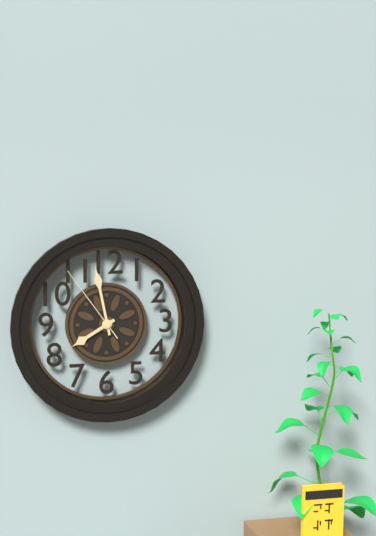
7:58:54
